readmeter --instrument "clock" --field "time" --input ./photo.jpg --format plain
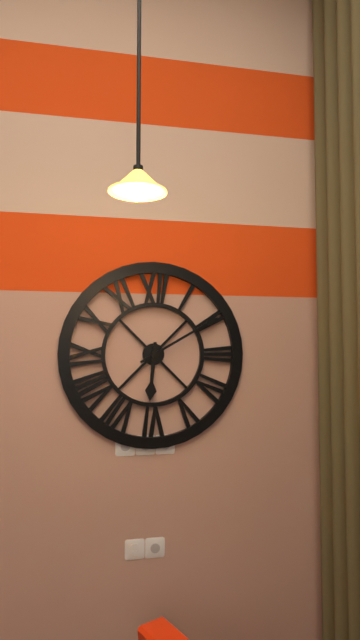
6:10
